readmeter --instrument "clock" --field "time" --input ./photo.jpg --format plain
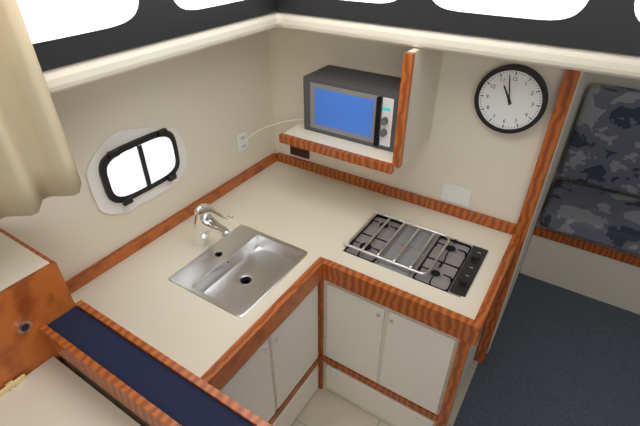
10:58
